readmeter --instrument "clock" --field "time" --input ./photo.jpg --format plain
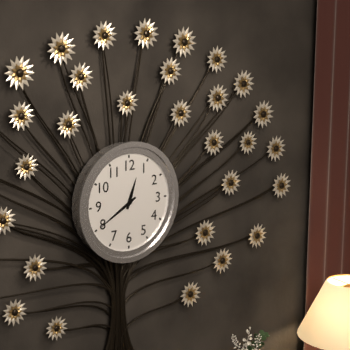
12:40
